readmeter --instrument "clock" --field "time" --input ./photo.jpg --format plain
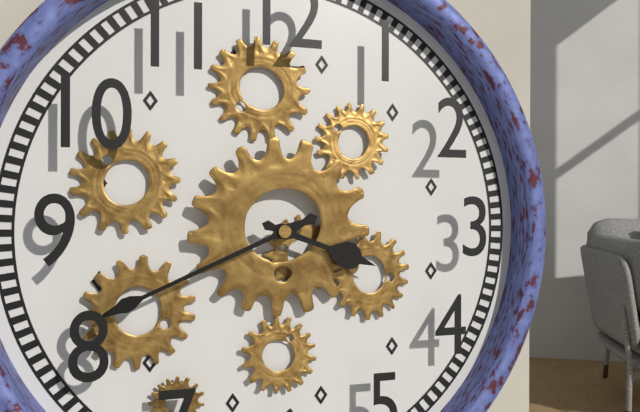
3:41
